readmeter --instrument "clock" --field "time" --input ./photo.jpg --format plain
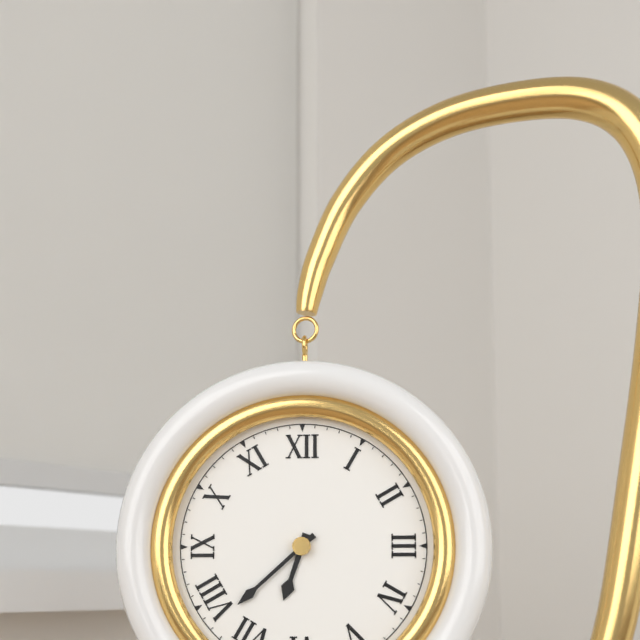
6:38
